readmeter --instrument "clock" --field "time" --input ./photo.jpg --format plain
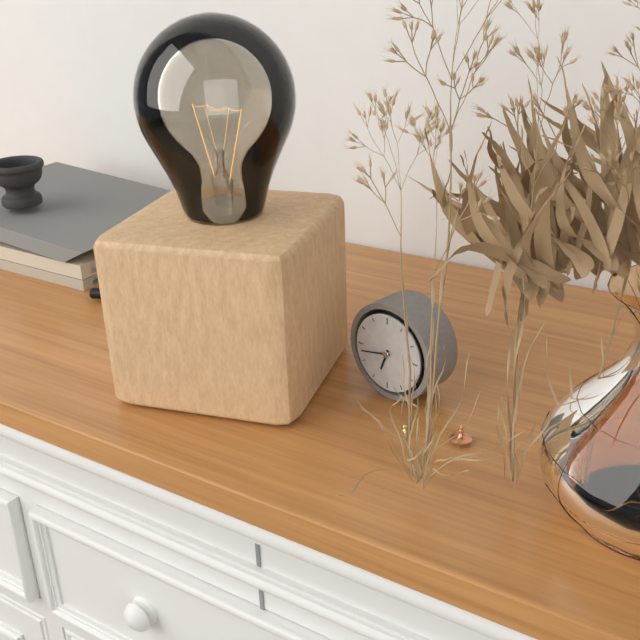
6:43
